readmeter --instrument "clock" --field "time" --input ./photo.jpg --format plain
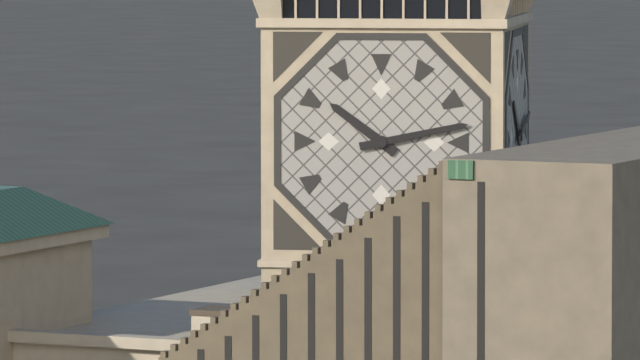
10:13
